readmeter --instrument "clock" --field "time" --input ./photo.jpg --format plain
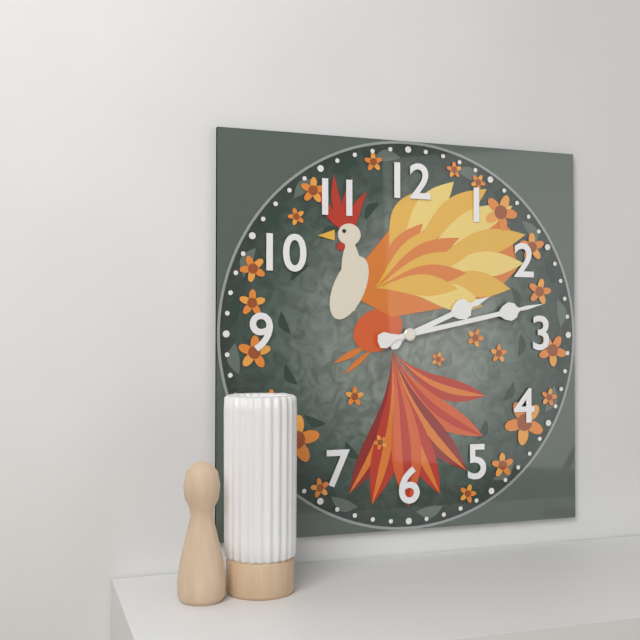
2:13
